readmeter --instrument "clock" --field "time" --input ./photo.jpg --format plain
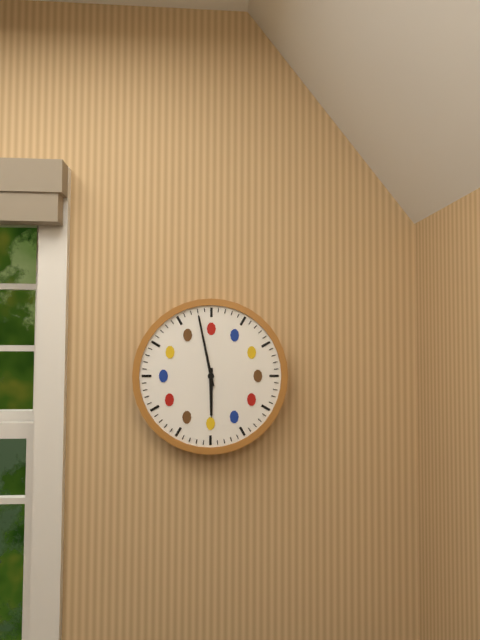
5:58
